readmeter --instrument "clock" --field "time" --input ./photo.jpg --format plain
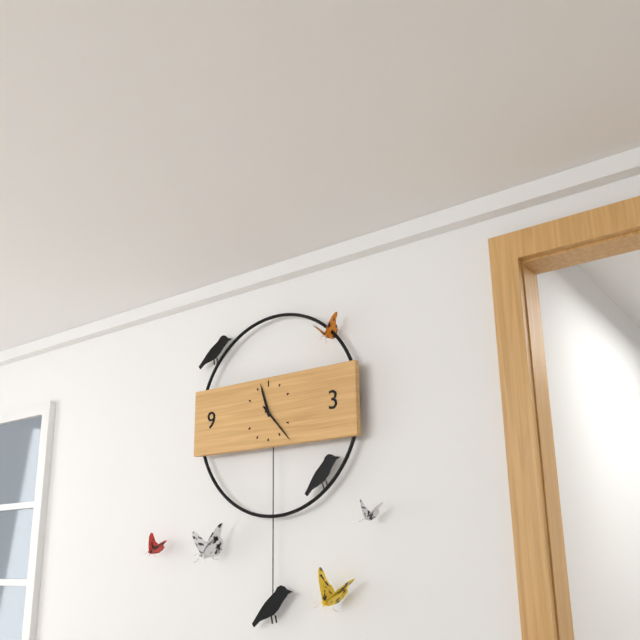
11:23
